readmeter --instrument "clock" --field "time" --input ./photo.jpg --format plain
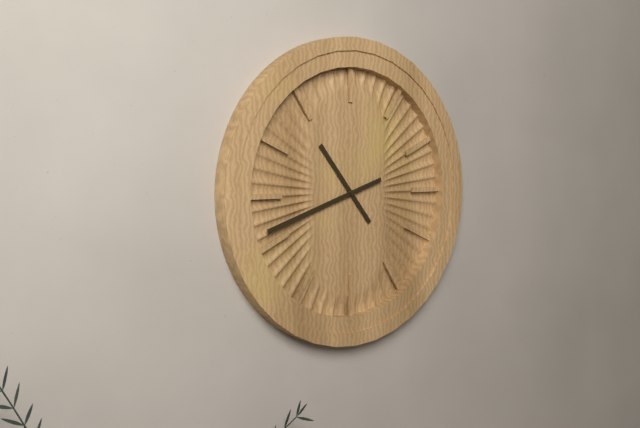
10:42
